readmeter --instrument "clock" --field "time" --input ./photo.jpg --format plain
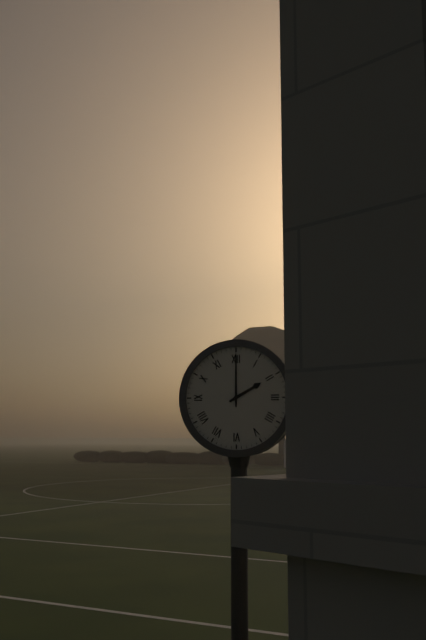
2:00
